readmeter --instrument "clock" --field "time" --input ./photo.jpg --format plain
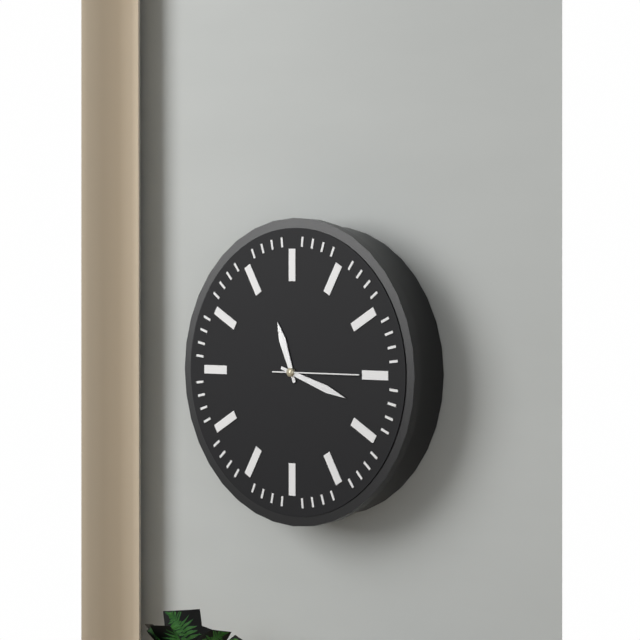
11:18
